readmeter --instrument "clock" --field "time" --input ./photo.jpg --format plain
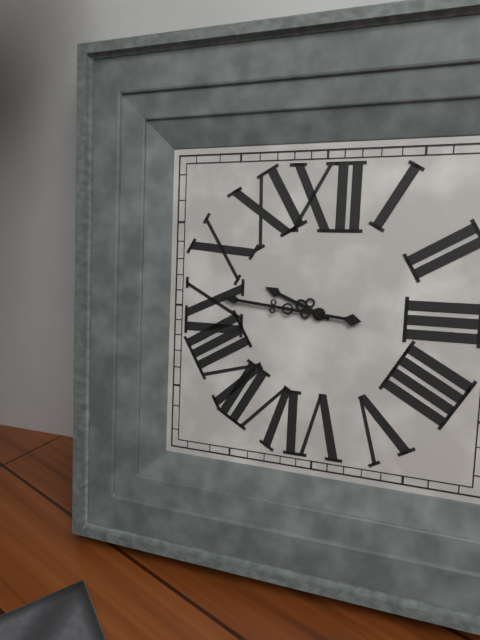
9:46
